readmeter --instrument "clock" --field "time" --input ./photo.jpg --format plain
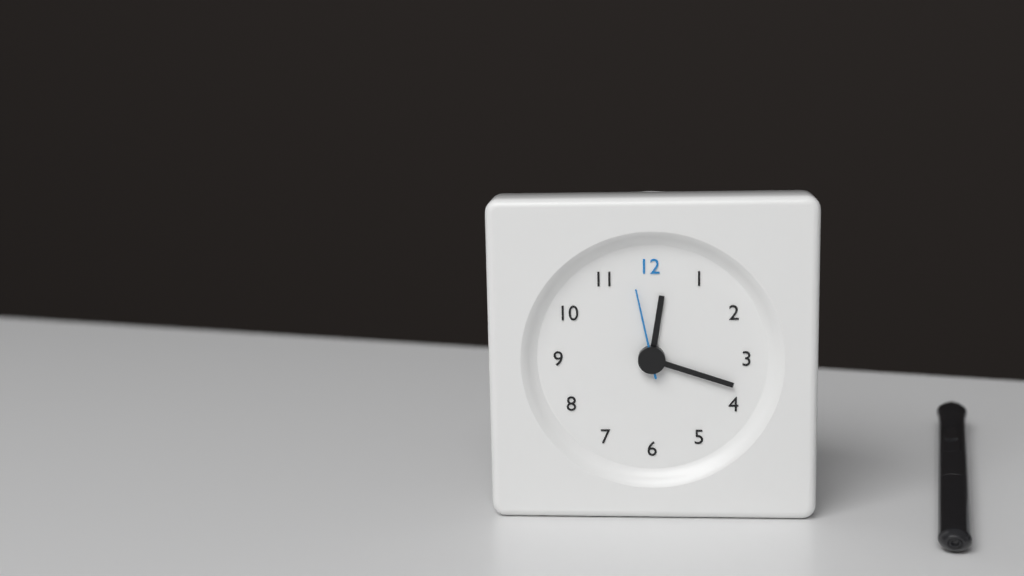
12:18:58
